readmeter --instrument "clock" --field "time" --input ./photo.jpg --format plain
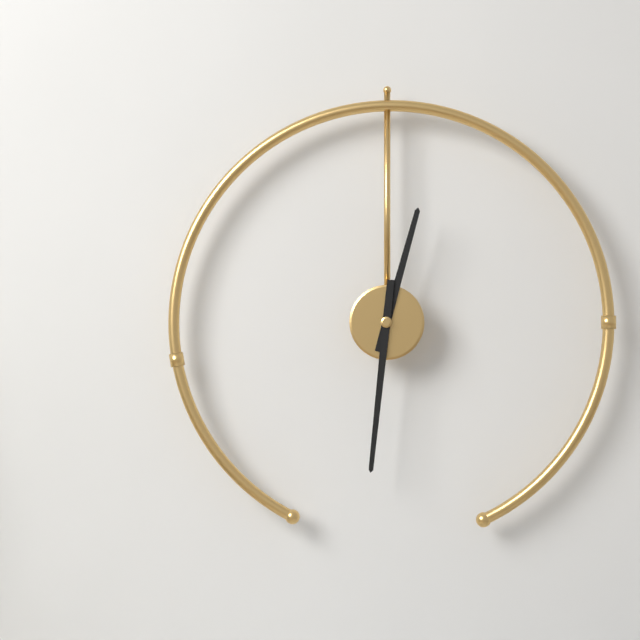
12:31
